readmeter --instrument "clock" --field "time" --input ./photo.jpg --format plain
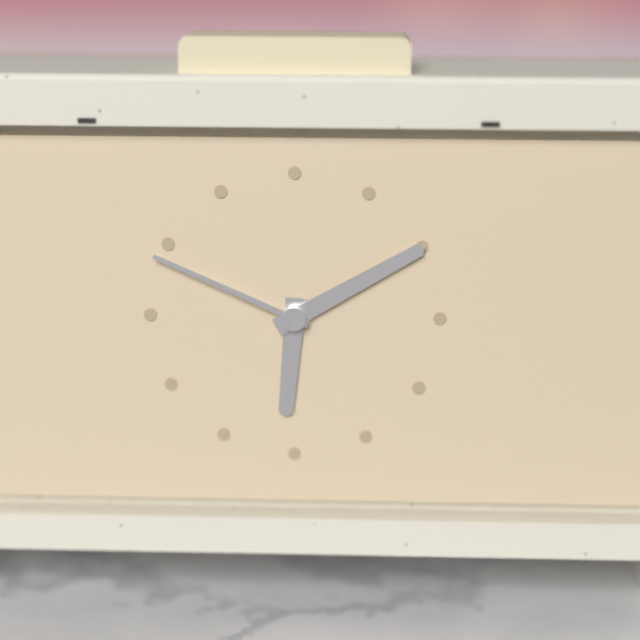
6:10:49
